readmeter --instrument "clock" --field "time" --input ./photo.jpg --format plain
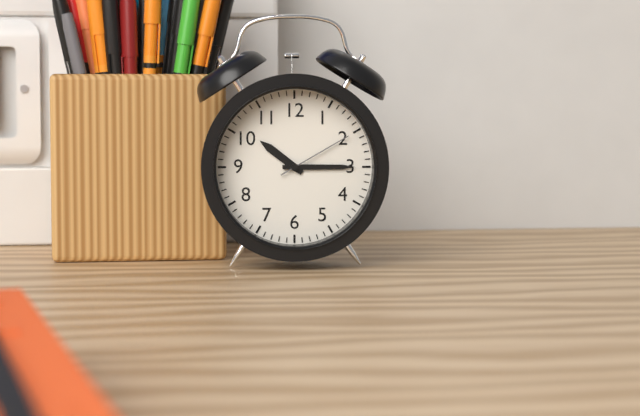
10:15:10
